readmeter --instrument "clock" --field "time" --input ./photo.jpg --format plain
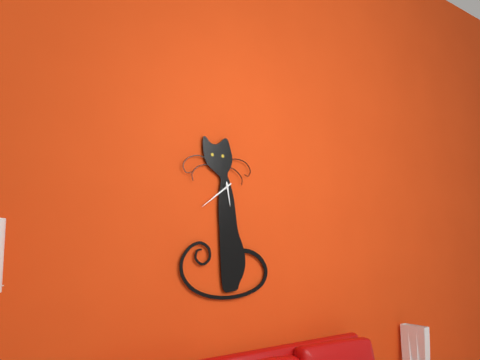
5:39
